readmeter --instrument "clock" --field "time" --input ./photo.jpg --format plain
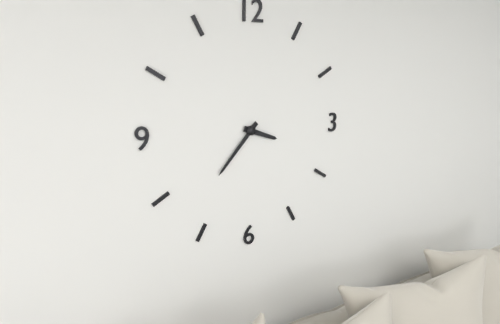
3:37
